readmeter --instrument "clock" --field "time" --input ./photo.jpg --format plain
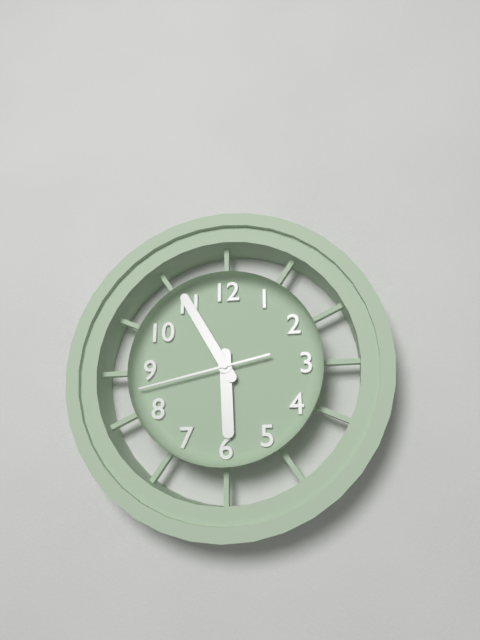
5:55:43
